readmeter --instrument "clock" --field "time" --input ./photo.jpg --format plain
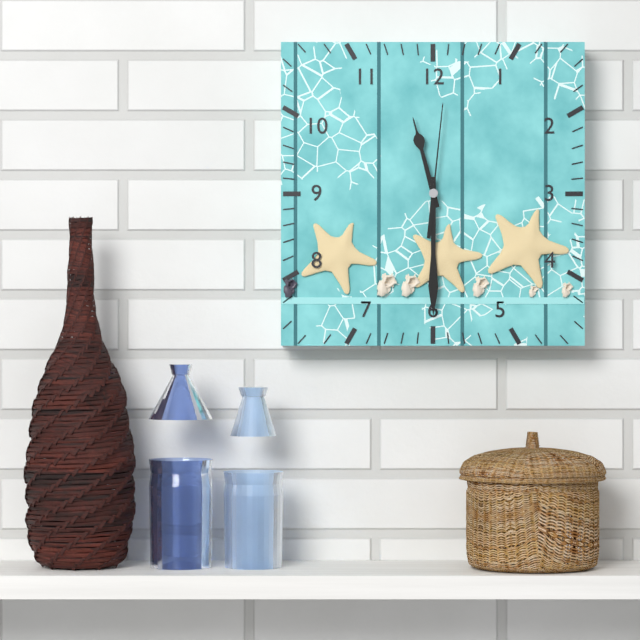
11:30:01
